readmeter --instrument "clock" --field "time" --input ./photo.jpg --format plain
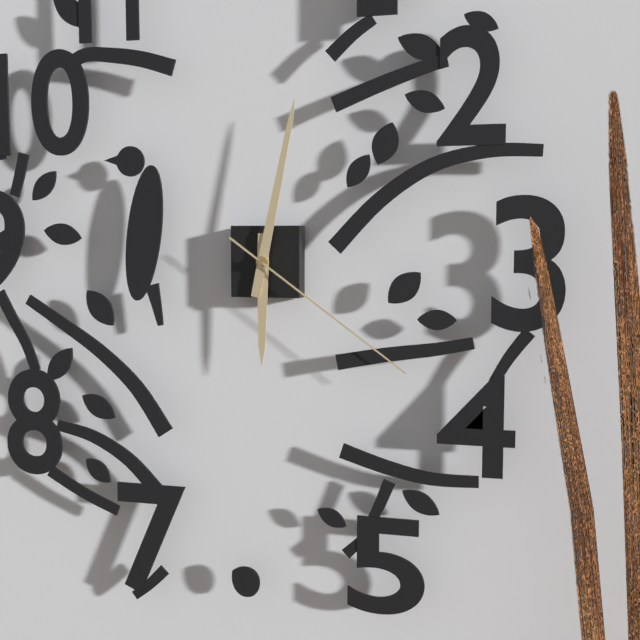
6:02:21
